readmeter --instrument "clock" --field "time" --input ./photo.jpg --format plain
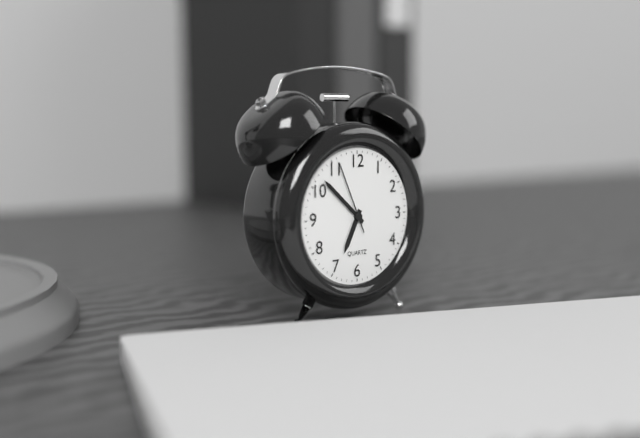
6:52:56
